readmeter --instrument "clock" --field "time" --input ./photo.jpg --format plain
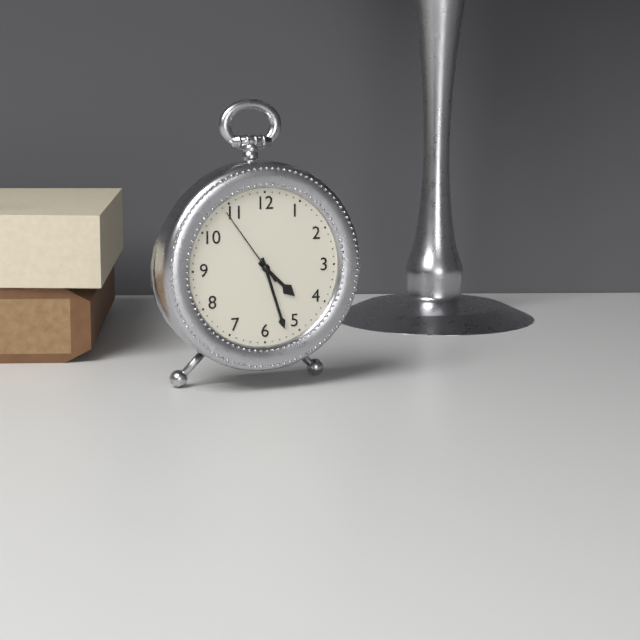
4:27:54
